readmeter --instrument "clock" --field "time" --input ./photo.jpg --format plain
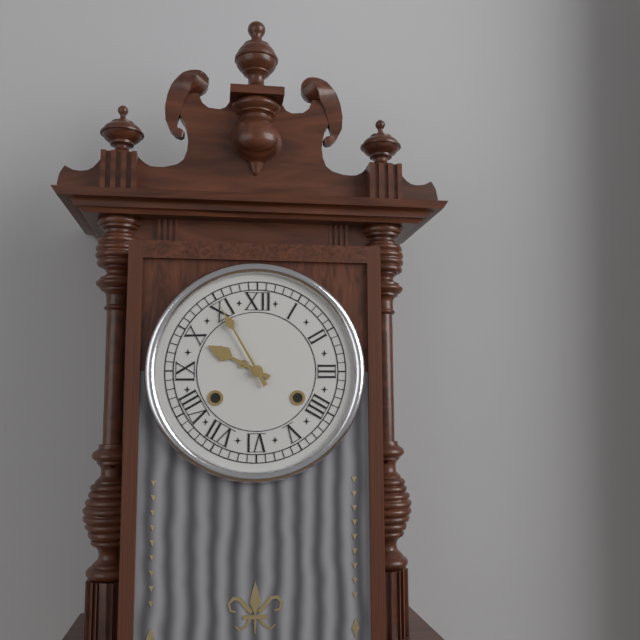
9:55
